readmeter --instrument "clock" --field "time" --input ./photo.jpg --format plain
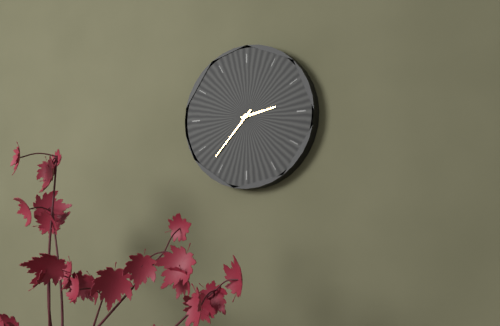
2:37
